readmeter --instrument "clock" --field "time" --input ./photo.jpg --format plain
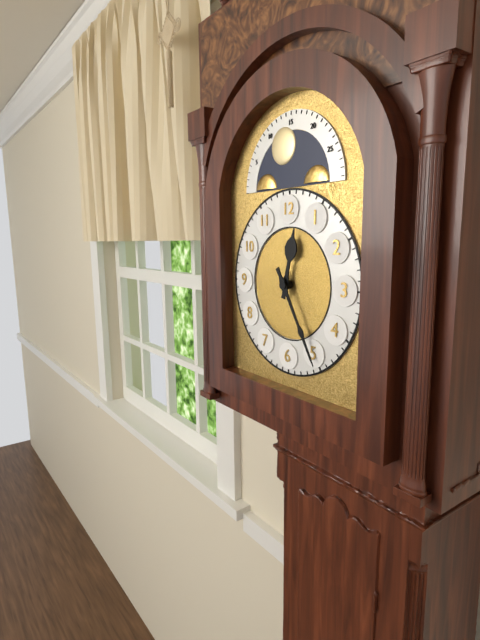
12:25
